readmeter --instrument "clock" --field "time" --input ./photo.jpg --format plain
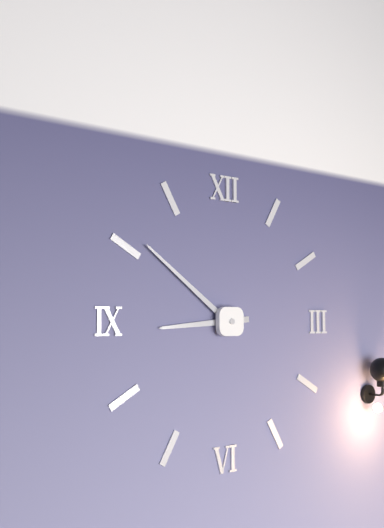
8:51
